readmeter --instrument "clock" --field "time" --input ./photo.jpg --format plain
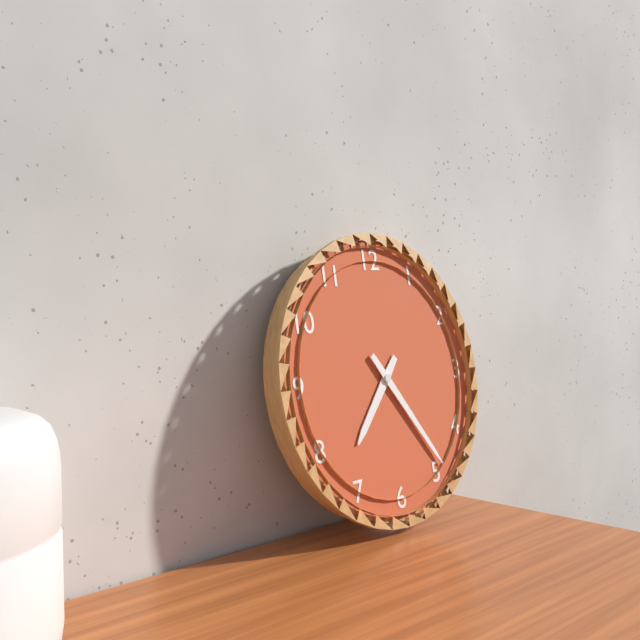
7:24
